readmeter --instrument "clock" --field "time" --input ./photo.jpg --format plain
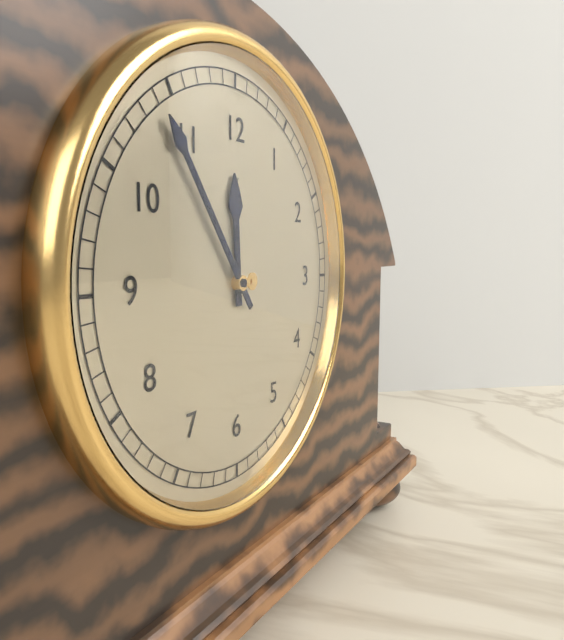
11:54
